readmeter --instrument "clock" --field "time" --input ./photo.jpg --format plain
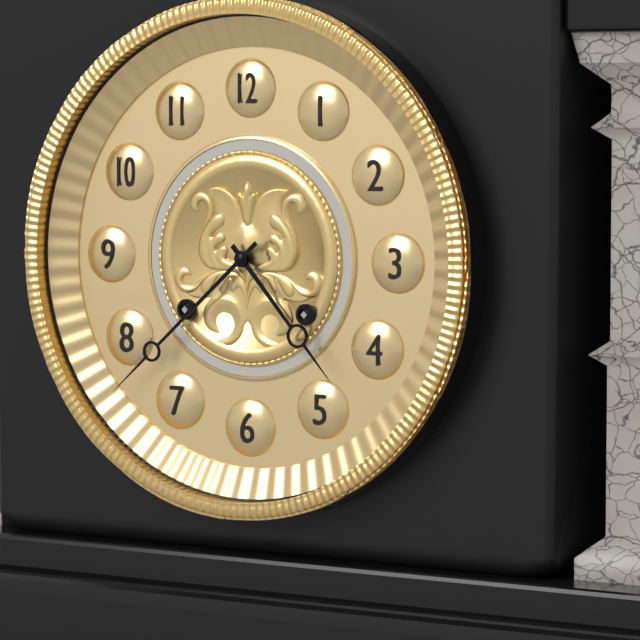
4:38
